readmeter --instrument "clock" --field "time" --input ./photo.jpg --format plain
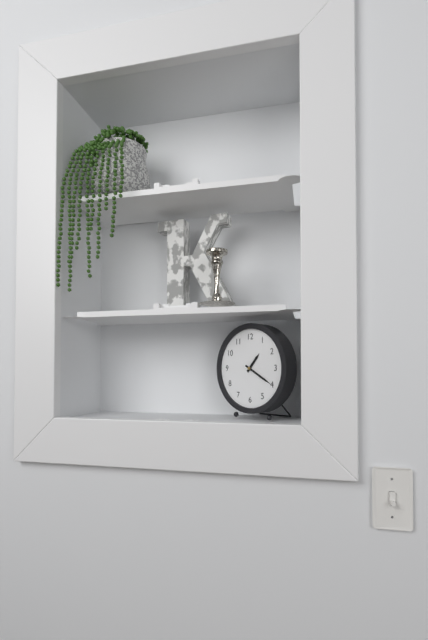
1:20
